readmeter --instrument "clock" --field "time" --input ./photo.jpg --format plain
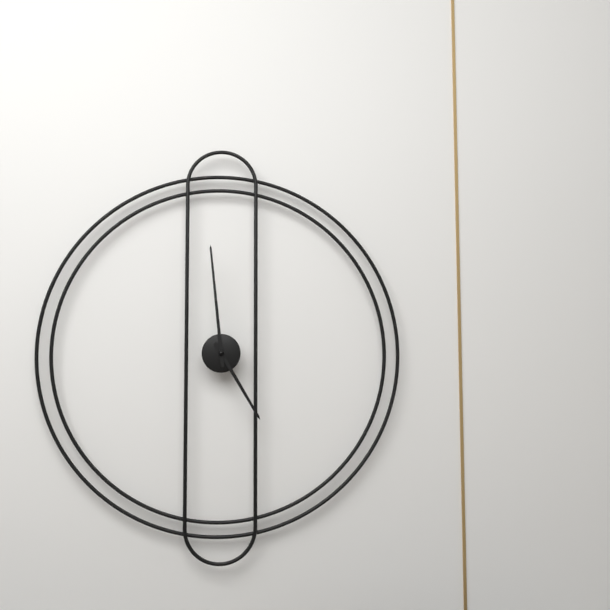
4:59
